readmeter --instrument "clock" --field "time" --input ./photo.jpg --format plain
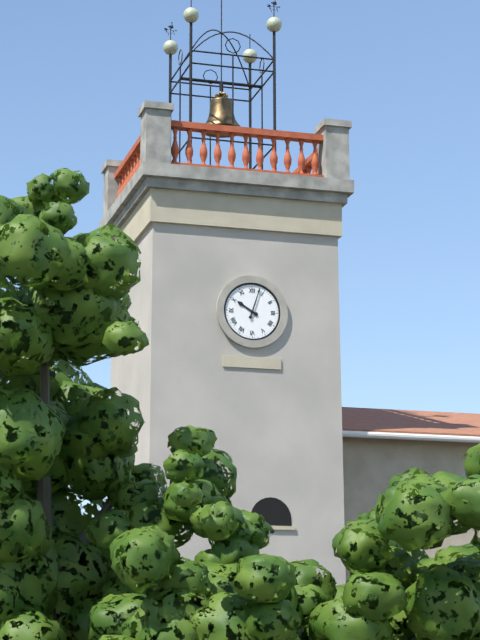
10:03
